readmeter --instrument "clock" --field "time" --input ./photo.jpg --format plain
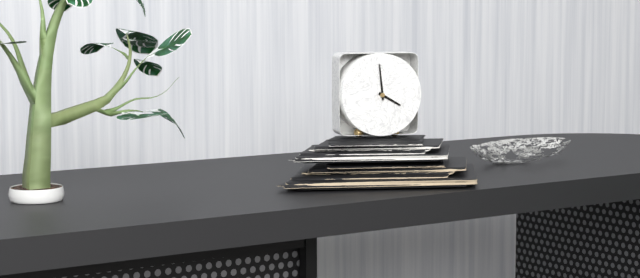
3:59
